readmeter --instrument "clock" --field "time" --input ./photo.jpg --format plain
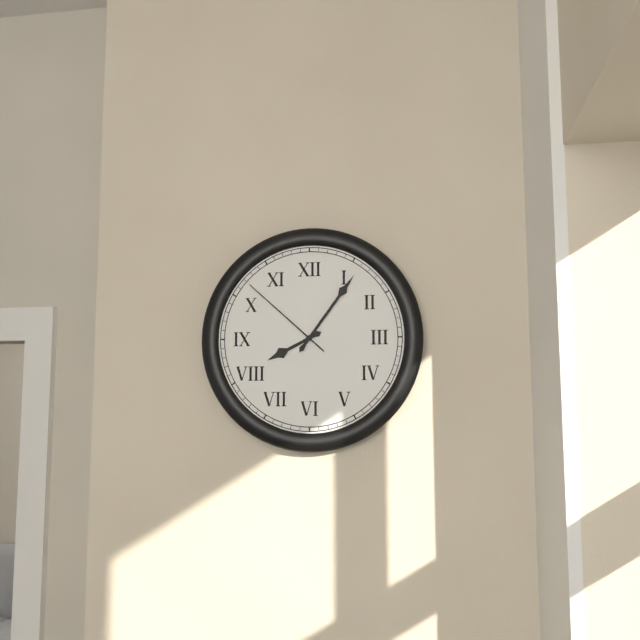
8:06:52
